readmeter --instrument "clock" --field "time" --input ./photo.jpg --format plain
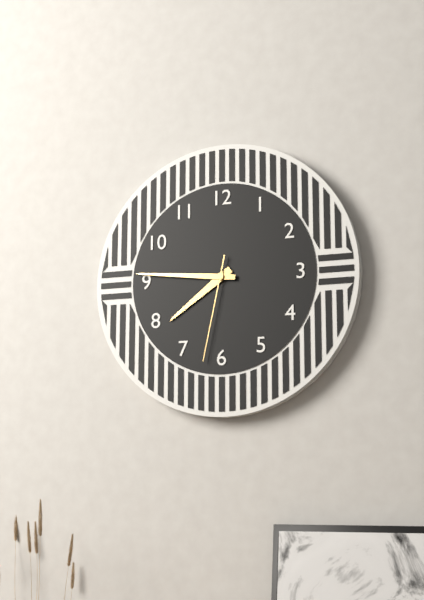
7:46:32
